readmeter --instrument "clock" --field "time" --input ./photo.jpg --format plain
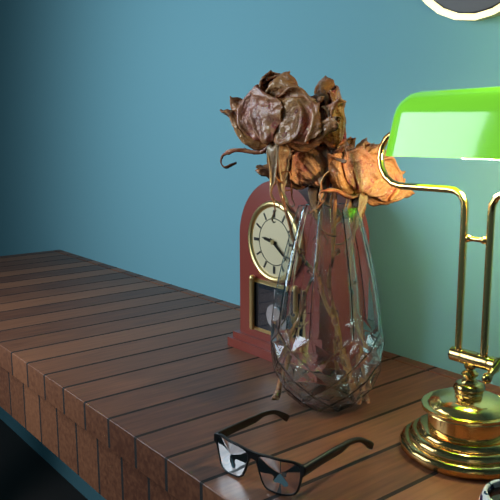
9:21
